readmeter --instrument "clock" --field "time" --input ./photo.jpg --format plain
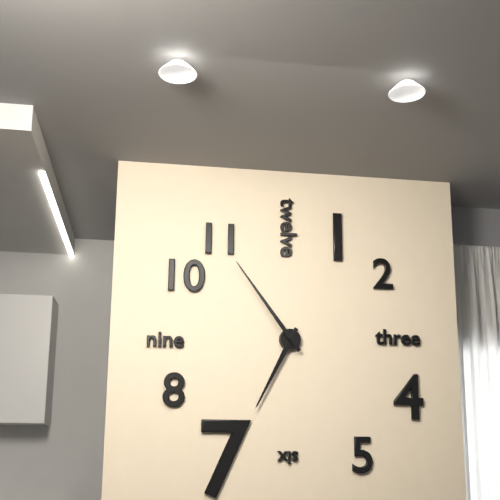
6:54
